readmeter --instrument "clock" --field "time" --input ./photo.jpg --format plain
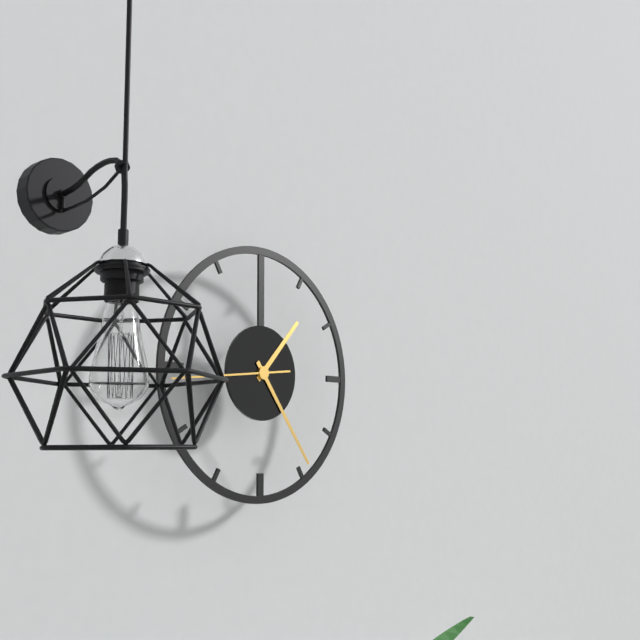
1:24:44
